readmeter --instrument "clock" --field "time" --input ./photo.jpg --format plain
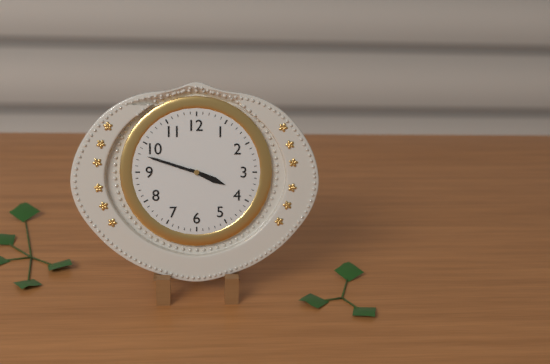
3:48
